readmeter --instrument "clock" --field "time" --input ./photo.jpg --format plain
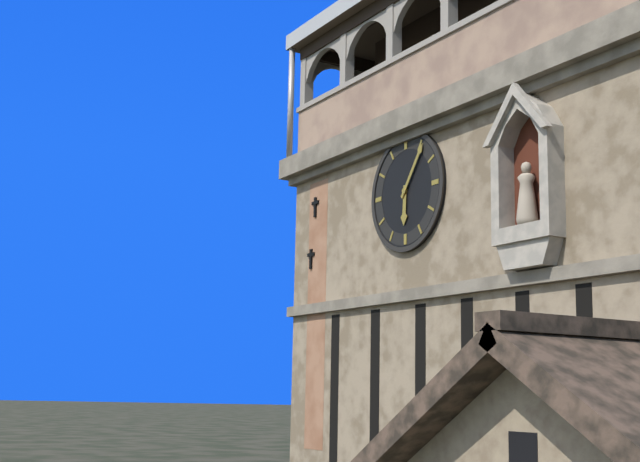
6:06
